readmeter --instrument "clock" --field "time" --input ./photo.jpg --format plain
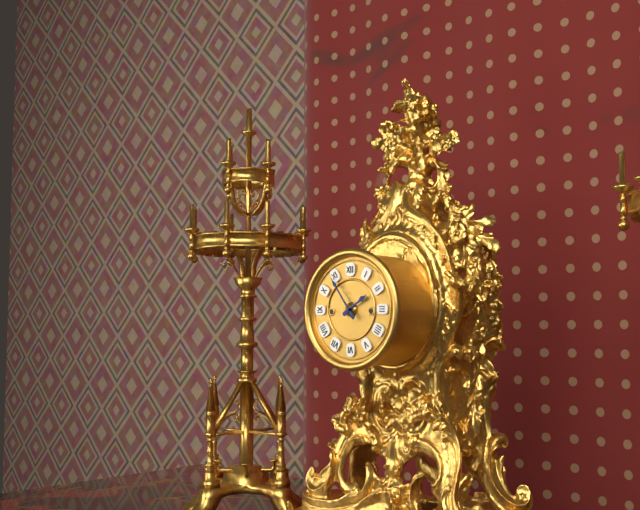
1:54
